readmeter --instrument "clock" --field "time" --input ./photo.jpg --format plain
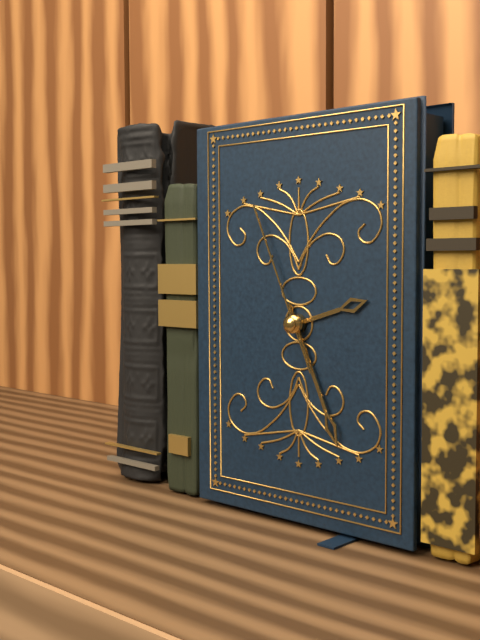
2:26:56
